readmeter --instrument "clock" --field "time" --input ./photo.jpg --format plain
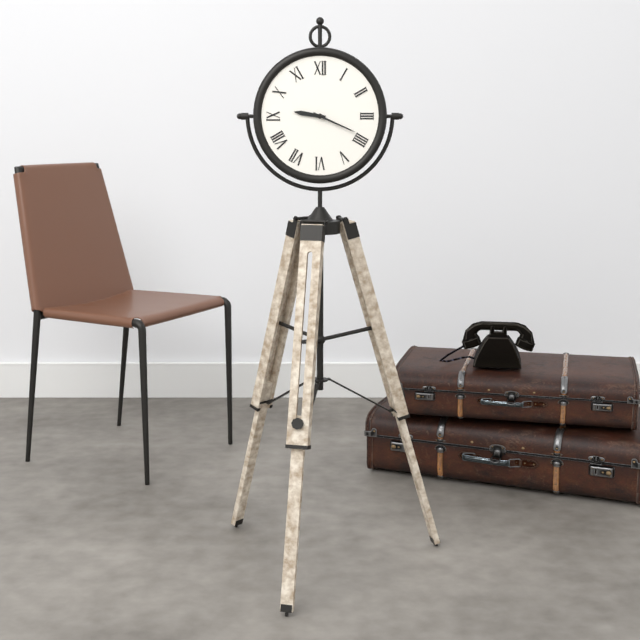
9:19
